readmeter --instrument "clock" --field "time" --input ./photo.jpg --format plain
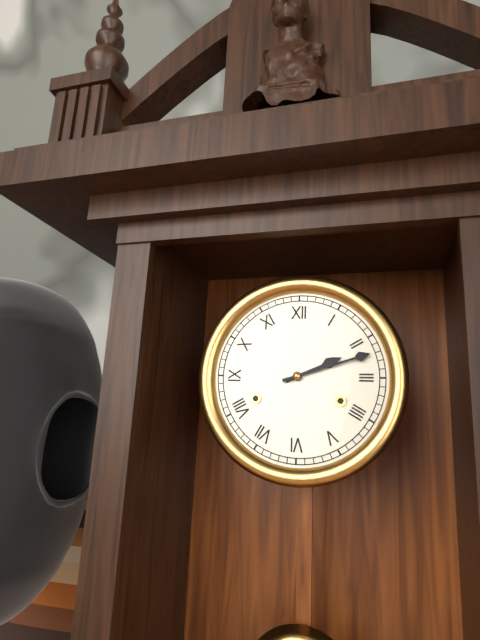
2:12
